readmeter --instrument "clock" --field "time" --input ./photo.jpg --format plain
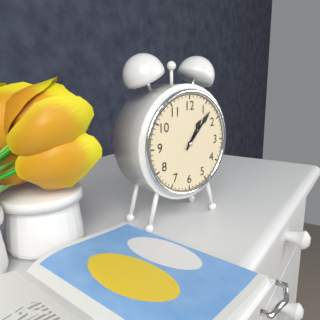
1:07
